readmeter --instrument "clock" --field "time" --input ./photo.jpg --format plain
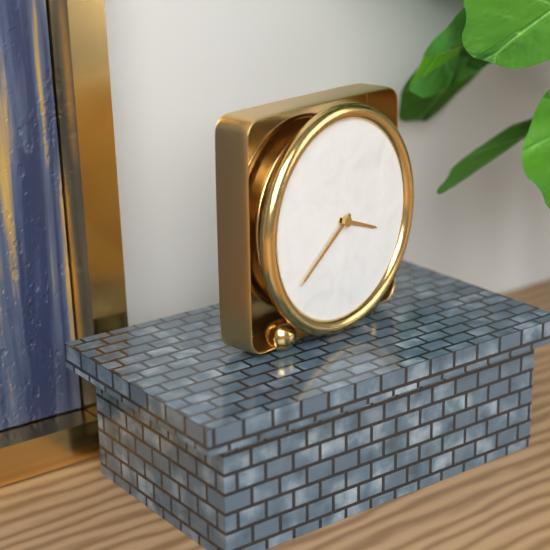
3:39
